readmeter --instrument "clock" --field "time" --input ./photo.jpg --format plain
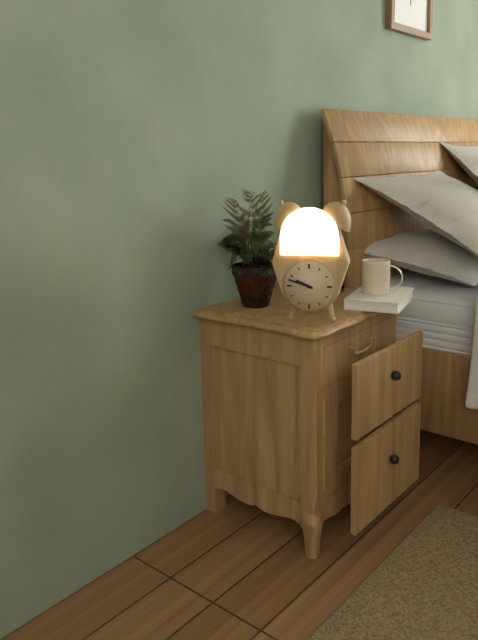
9:48
